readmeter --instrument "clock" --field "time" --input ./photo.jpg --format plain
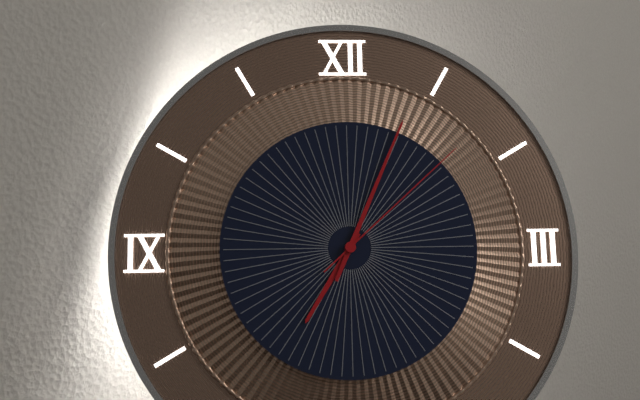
7:04:08
